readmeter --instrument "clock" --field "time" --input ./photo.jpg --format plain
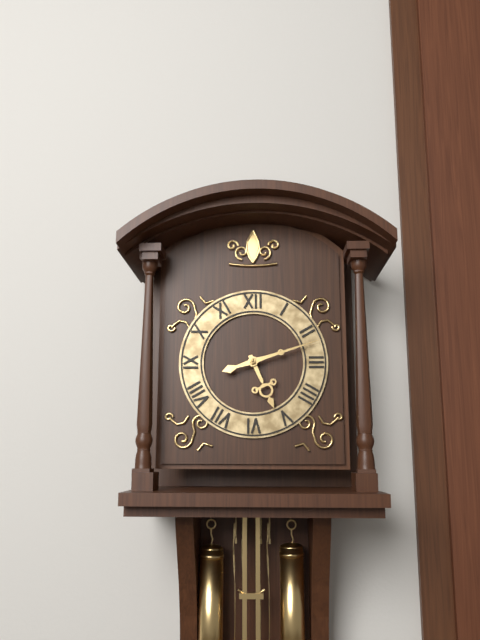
5:12
